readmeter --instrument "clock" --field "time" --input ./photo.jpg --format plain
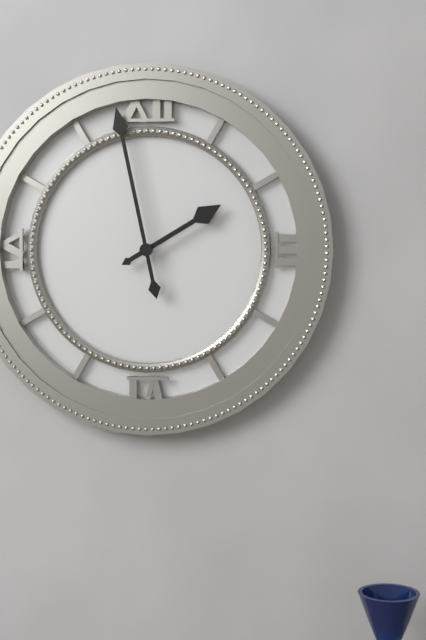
1:58
